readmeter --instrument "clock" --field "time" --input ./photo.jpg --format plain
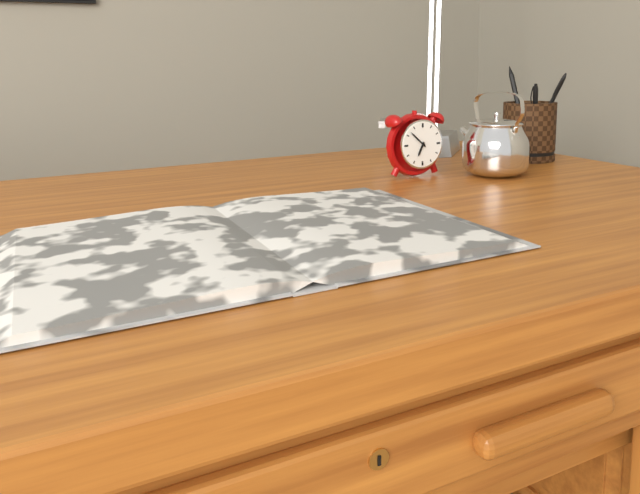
6:52
